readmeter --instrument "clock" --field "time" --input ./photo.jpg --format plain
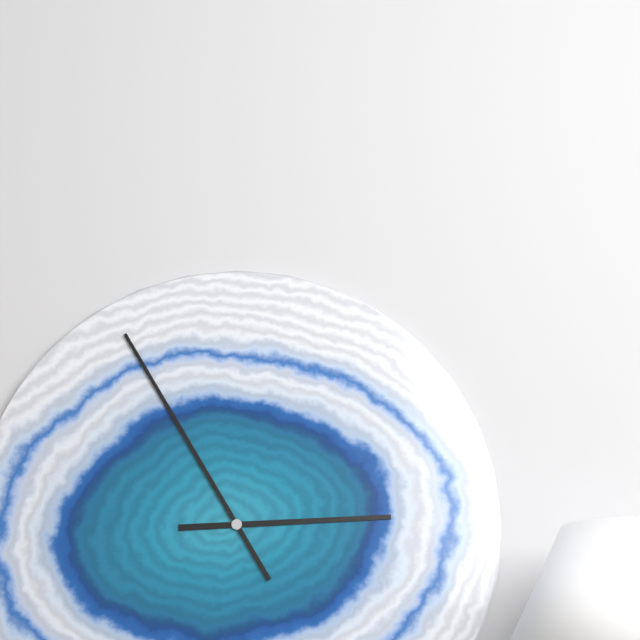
2:55
